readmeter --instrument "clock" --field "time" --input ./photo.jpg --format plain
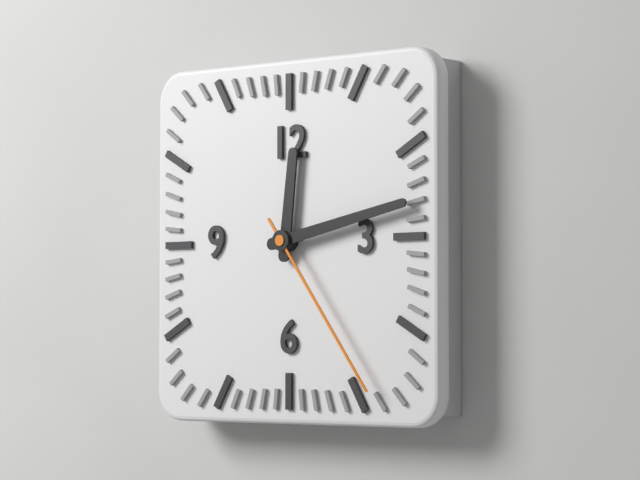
12:13:24
